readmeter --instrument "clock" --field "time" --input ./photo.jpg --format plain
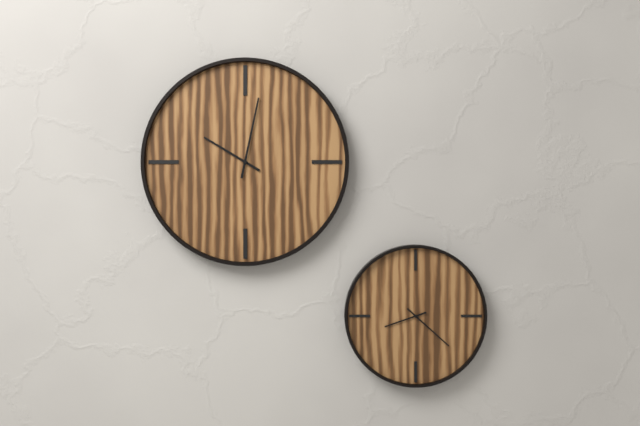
10:02
